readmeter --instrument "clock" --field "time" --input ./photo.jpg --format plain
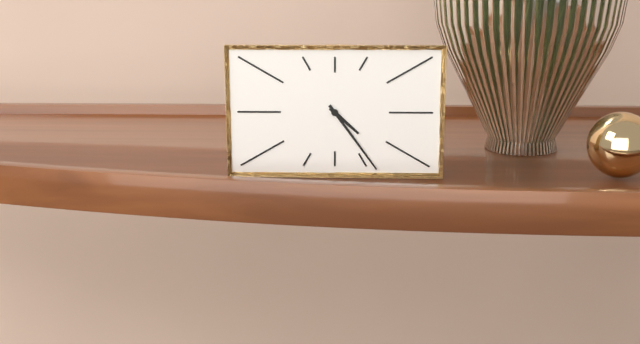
4:24
